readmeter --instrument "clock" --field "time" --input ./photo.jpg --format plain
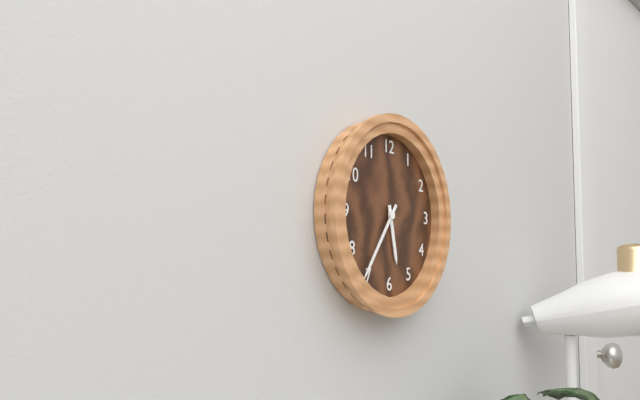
5:36
